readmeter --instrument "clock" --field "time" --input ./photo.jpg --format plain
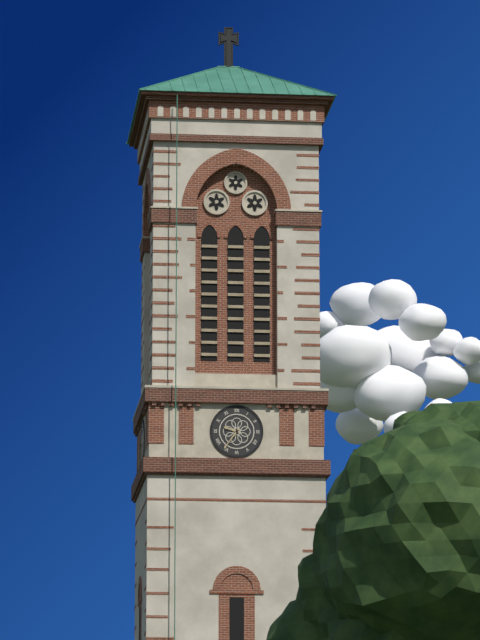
9:36
